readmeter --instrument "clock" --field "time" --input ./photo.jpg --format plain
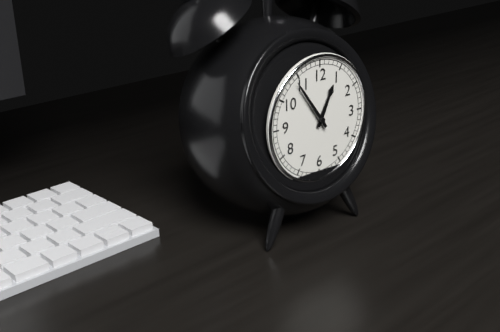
12:54
